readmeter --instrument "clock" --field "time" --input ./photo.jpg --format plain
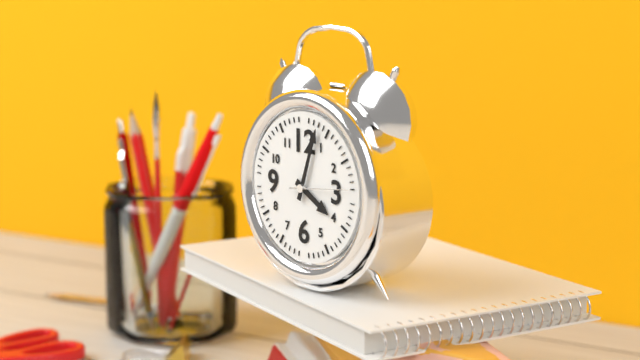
4:03
